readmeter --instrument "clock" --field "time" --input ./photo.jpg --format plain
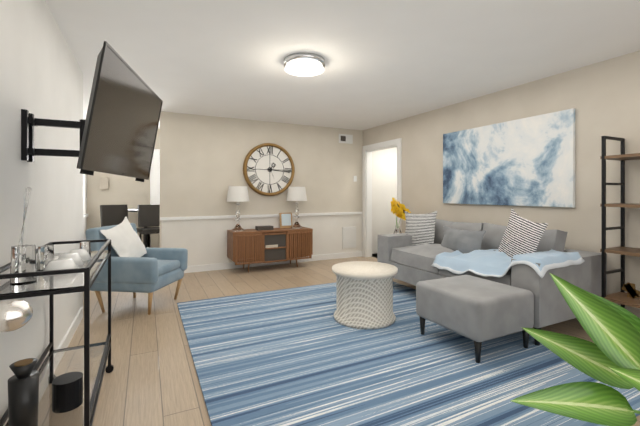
1:16
